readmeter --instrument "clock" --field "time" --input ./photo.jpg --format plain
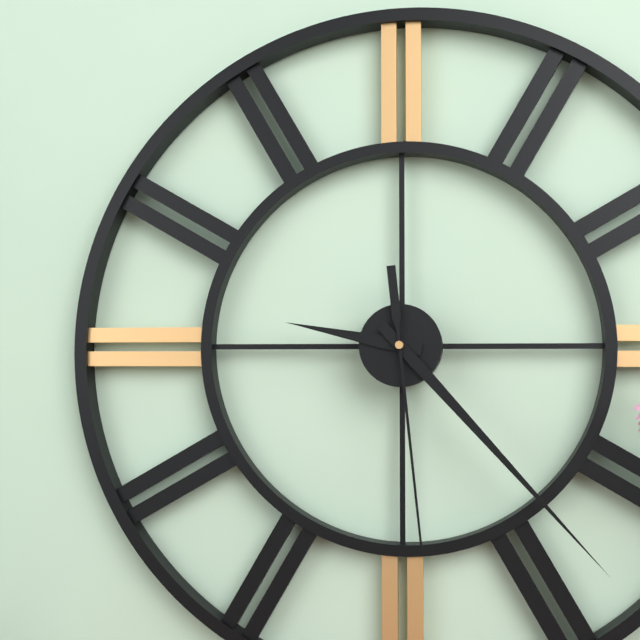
9:23:29
